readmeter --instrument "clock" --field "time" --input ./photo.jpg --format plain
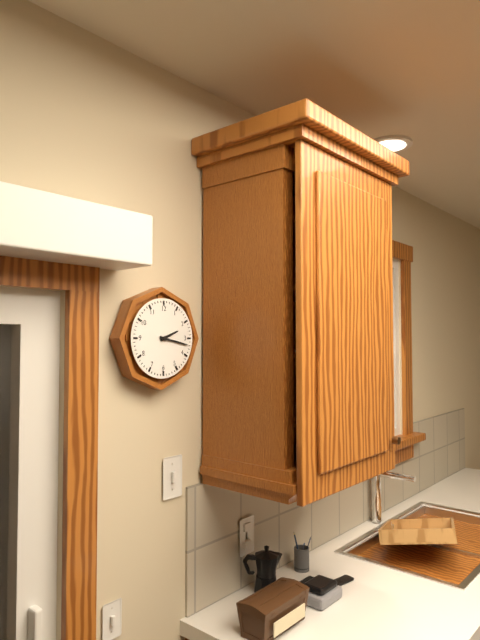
2:17
